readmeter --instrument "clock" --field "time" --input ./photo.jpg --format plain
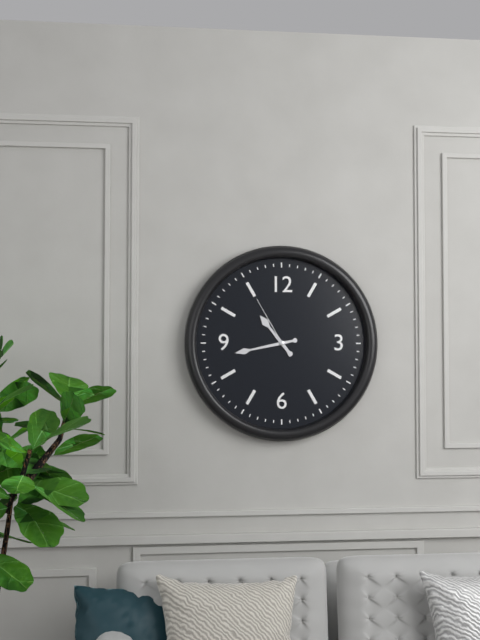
10:43:55
